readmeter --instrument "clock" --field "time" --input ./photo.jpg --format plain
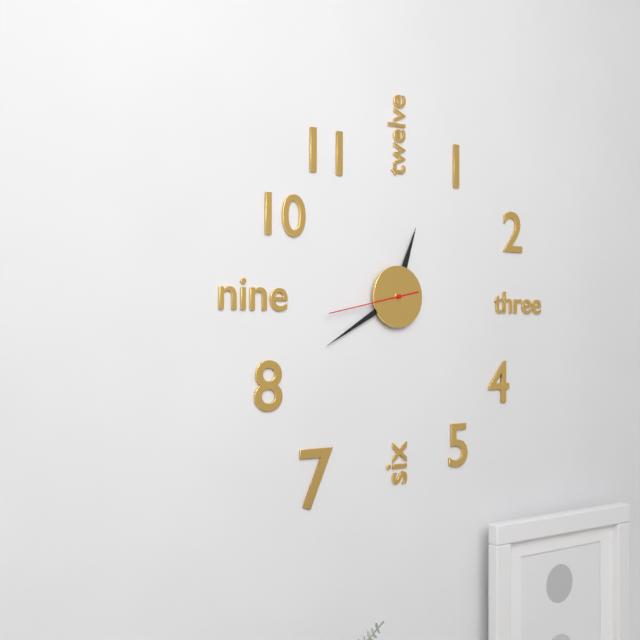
12:40:43
